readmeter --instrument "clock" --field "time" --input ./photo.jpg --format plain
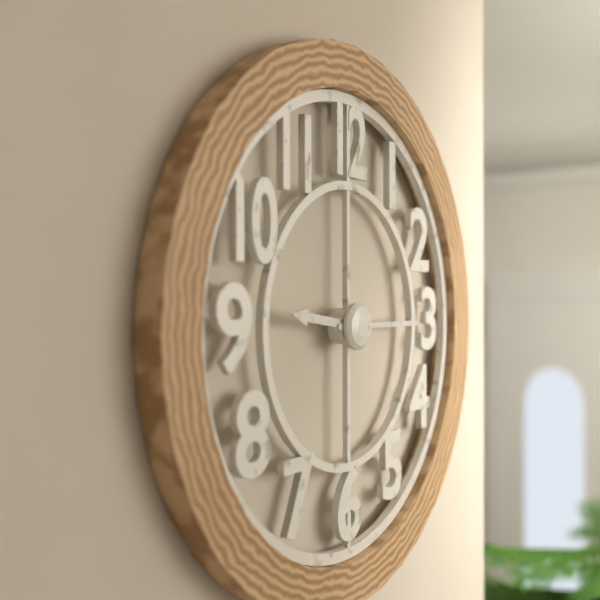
9:15
